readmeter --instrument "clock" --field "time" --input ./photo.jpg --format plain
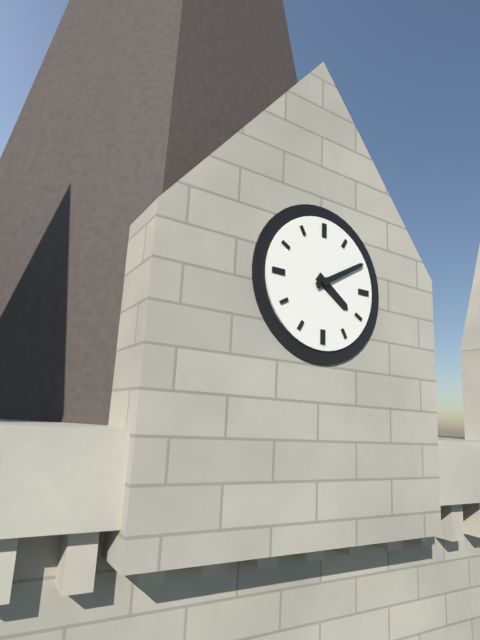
4:10
